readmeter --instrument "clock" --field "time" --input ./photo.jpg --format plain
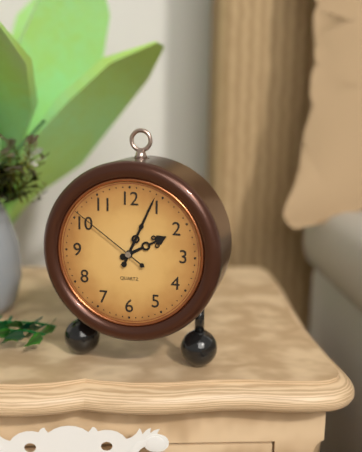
2:04:51
